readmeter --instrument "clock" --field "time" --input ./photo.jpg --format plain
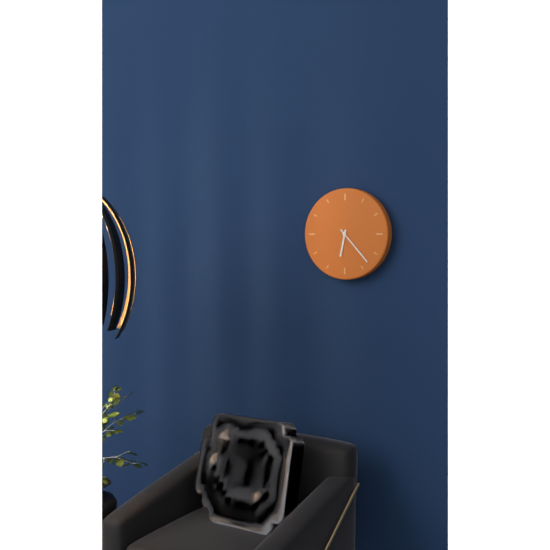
6:23
